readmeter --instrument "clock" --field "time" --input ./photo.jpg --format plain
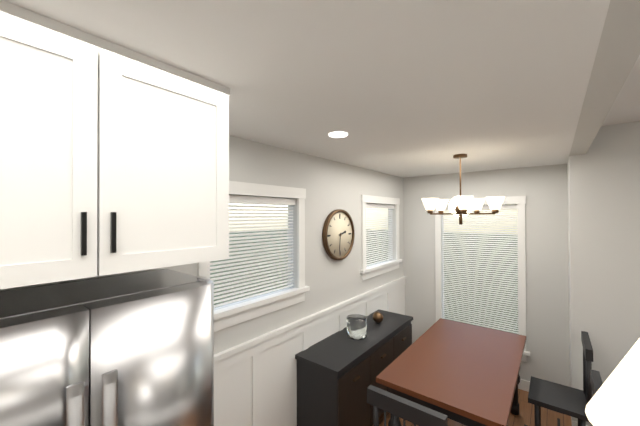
2:31
